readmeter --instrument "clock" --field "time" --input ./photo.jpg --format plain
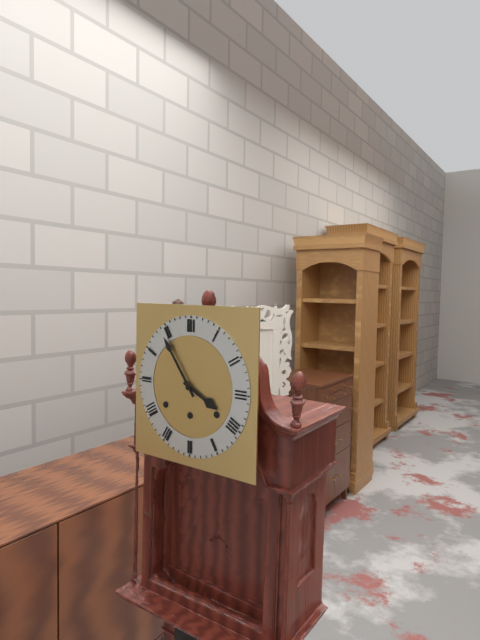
3:54
